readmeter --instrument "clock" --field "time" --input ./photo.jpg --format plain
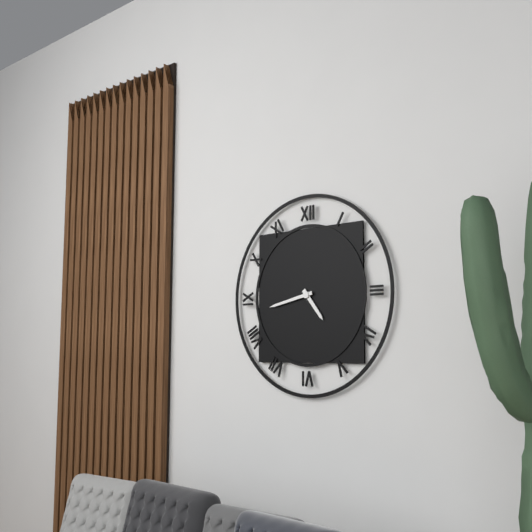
4:43
